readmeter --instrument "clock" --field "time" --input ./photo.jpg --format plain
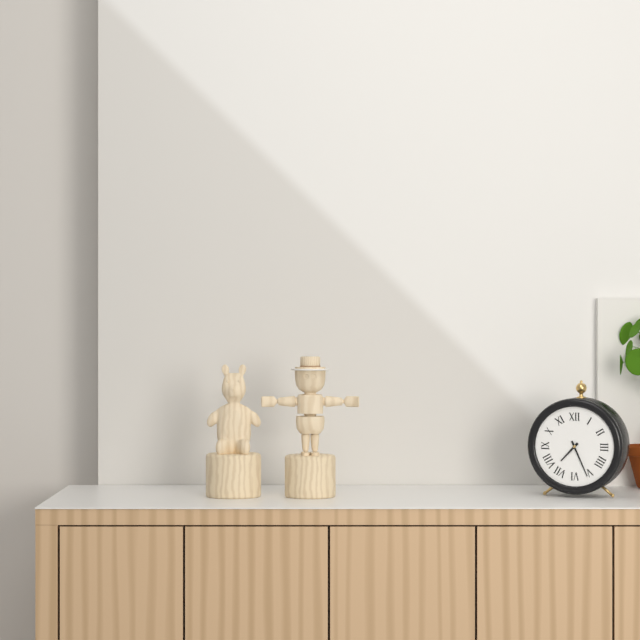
7:26
